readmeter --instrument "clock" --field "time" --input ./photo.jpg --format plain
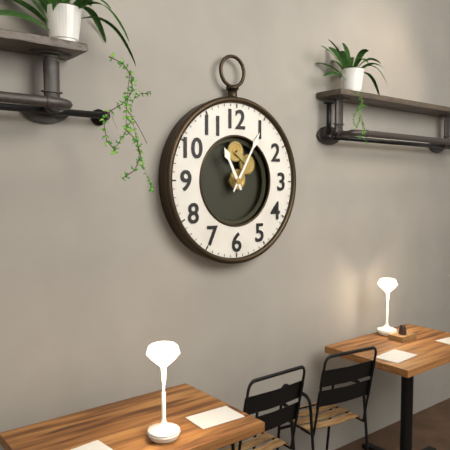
11:05
